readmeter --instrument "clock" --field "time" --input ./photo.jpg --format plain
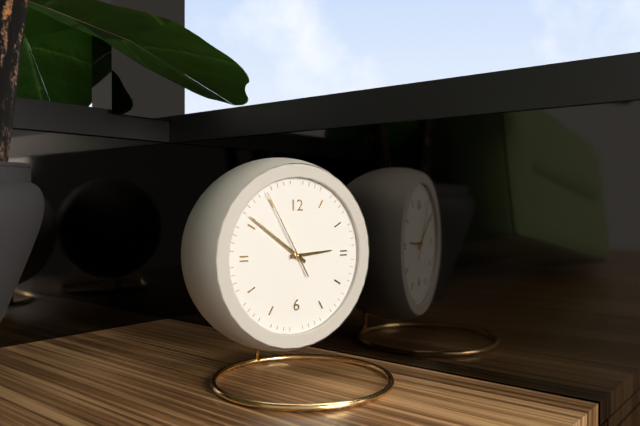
2:51:55
